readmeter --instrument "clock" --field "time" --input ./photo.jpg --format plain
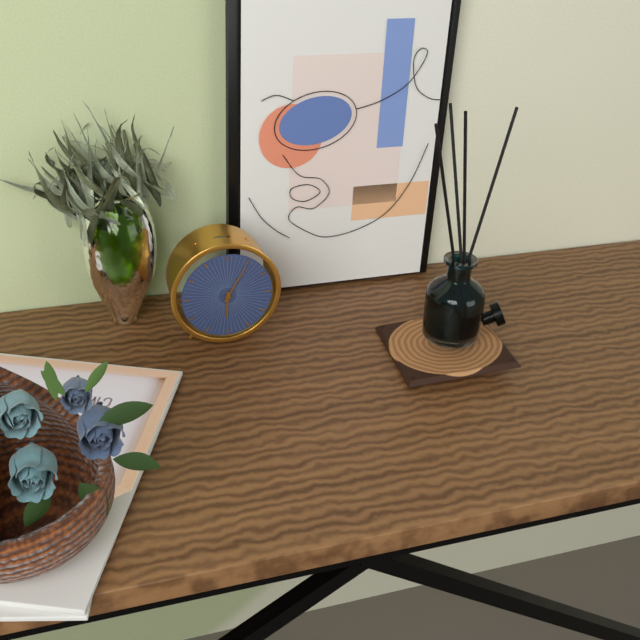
6:05
